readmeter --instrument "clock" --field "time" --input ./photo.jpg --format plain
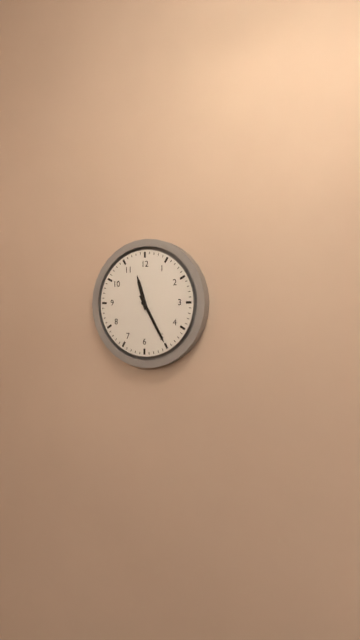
11:25
